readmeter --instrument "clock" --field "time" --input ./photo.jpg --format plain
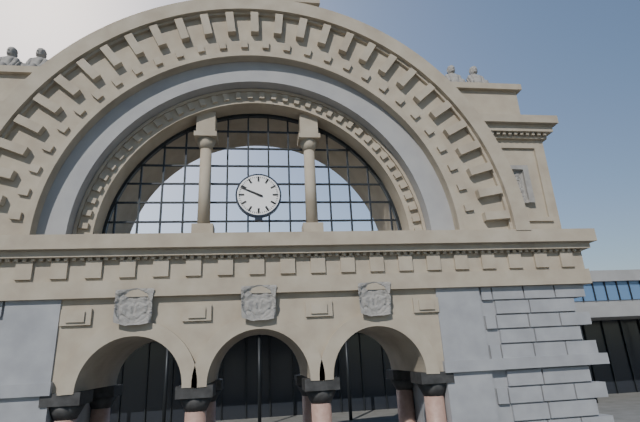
9:49
